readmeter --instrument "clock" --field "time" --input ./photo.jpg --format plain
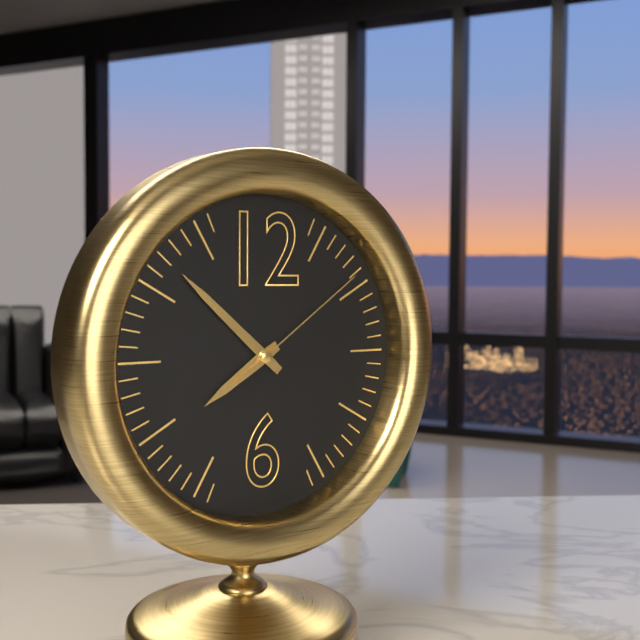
7:52:09
